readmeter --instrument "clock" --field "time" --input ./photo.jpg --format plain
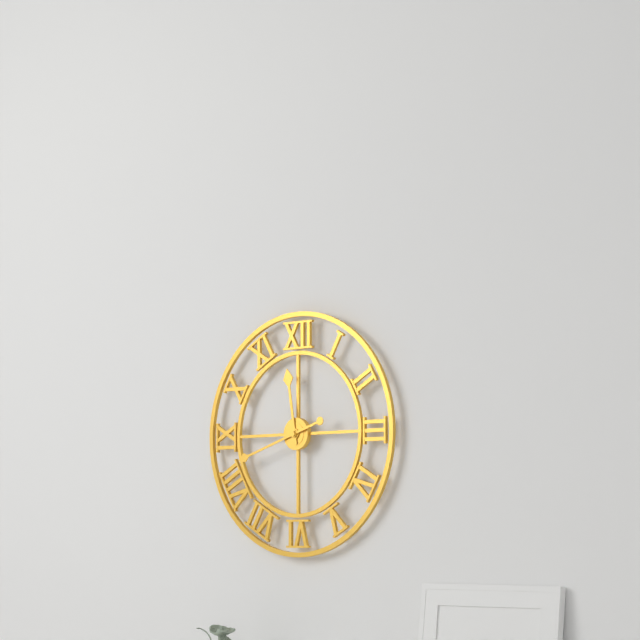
11:42
